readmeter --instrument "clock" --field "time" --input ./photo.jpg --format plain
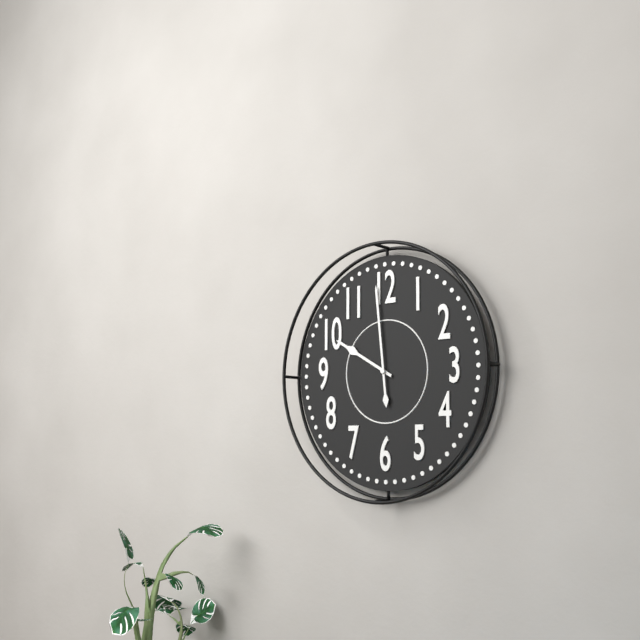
9:59
